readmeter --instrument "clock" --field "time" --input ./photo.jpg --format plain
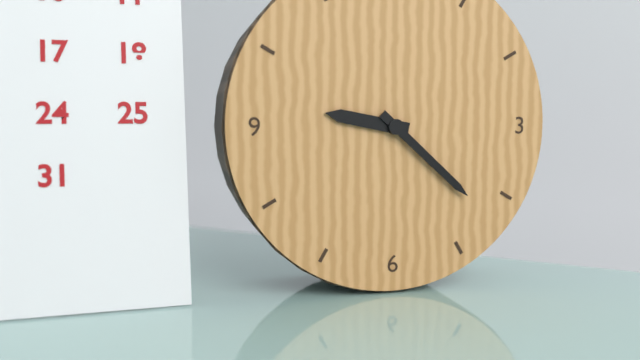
9:22
